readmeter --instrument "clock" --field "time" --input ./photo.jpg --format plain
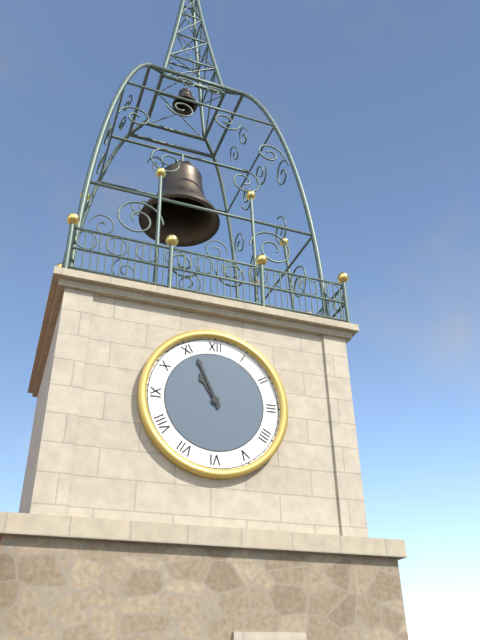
10:56
